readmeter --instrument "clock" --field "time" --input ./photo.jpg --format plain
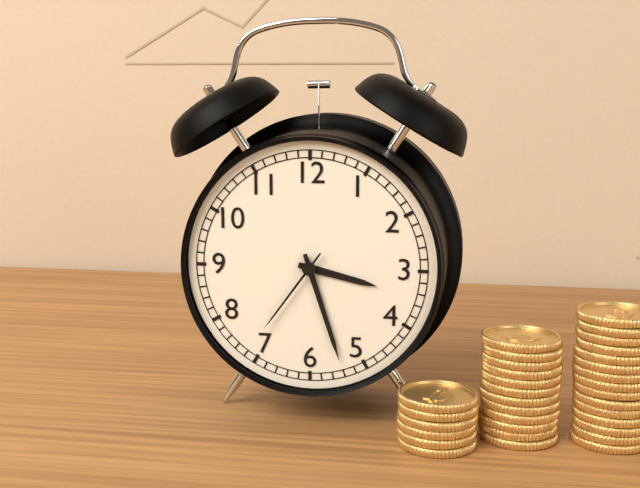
3:27:36
